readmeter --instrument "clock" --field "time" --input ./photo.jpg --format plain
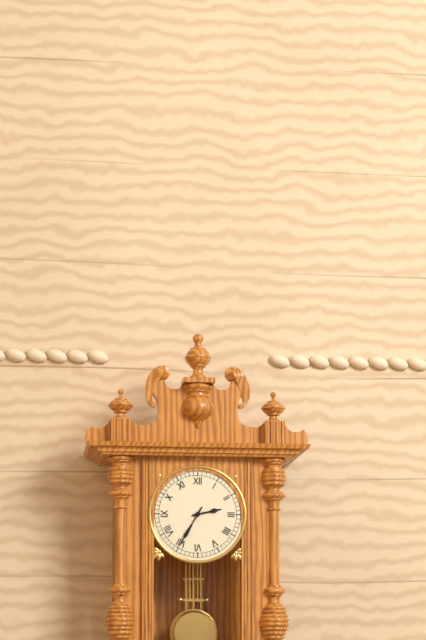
2:35
